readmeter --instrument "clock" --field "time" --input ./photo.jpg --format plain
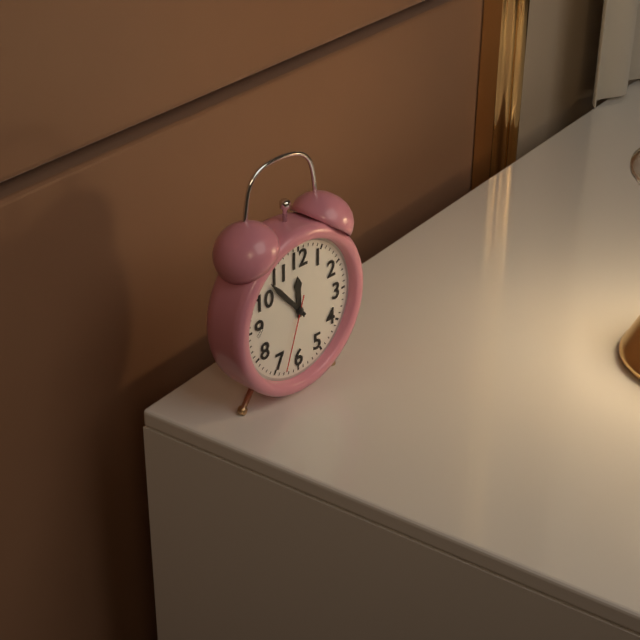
11:53:33
